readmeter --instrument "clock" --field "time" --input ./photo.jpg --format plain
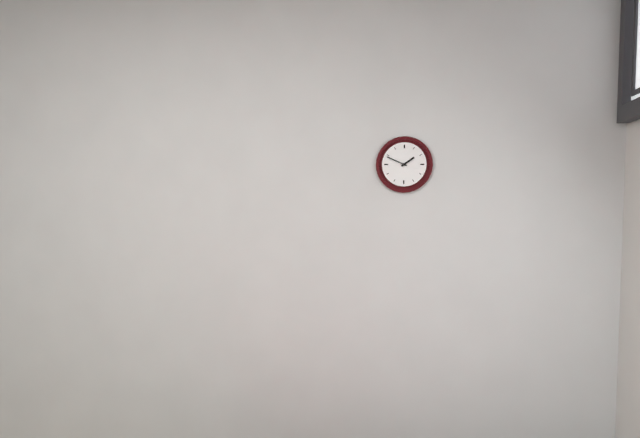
1:49
